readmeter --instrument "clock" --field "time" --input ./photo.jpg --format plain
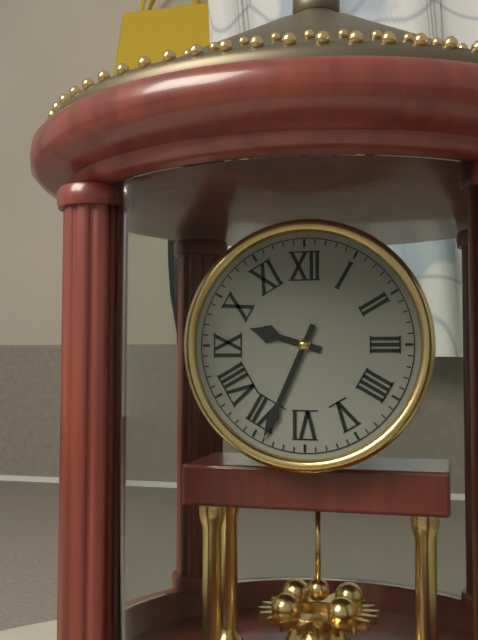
9:34
